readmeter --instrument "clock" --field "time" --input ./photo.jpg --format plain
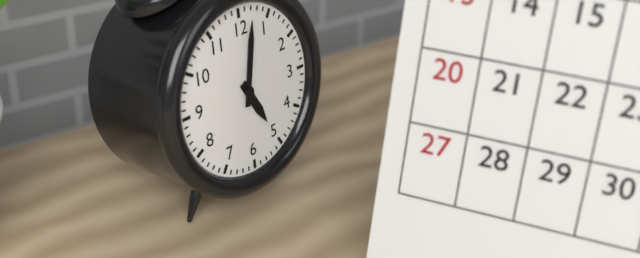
5:02
